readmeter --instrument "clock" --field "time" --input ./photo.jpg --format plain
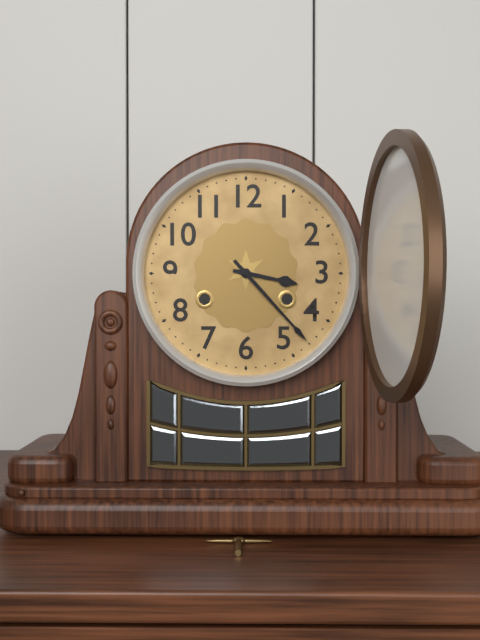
3:23
